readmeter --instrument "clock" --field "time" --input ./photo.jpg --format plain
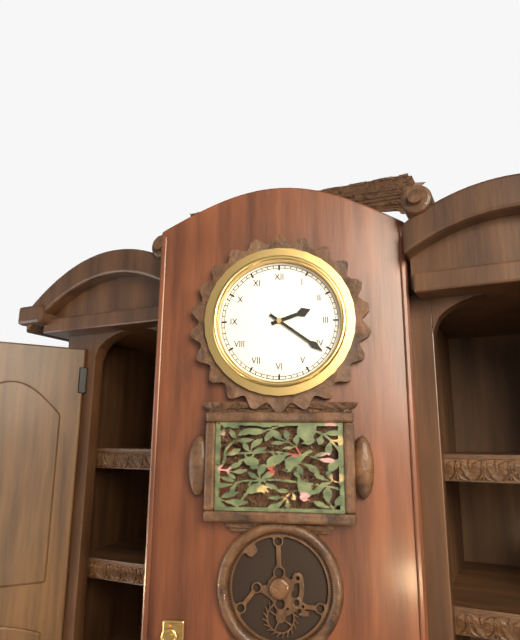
2:21
